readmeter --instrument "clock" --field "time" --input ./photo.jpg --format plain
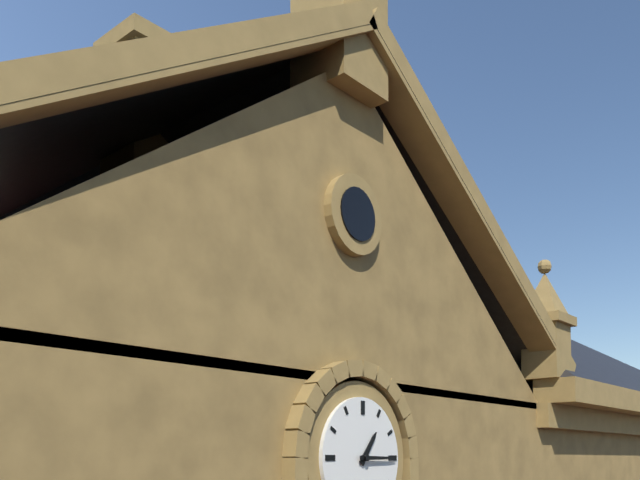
1:15
